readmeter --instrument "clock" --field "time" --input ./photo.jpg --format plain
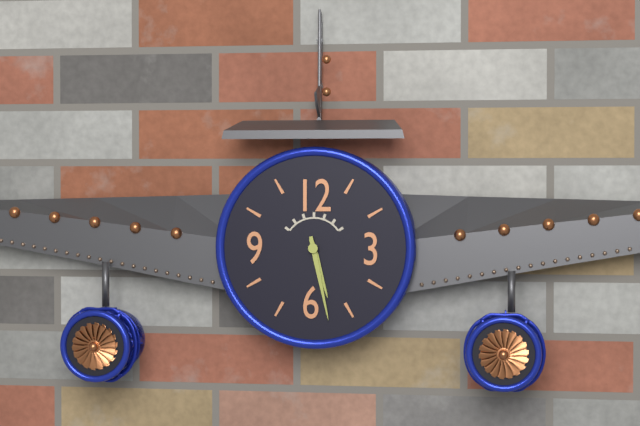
5:28
